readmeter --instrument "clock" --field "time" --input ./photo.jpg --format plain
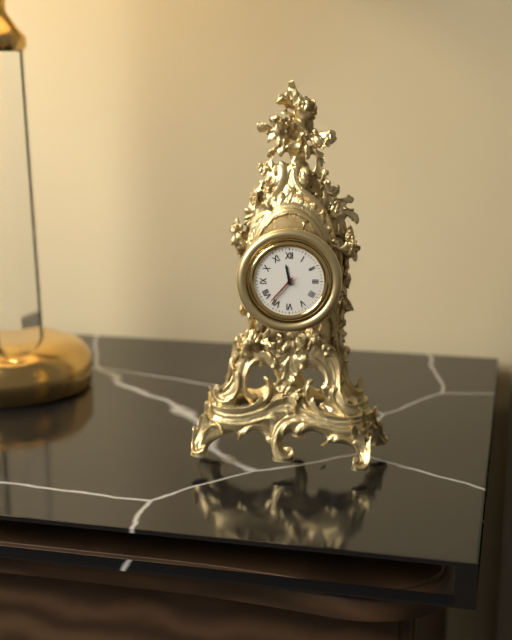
11:37
